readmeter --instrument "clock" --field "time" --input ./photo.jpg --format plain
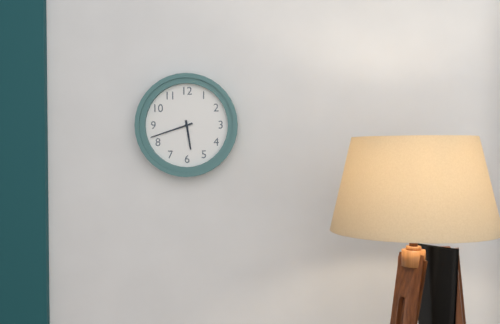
5:42
